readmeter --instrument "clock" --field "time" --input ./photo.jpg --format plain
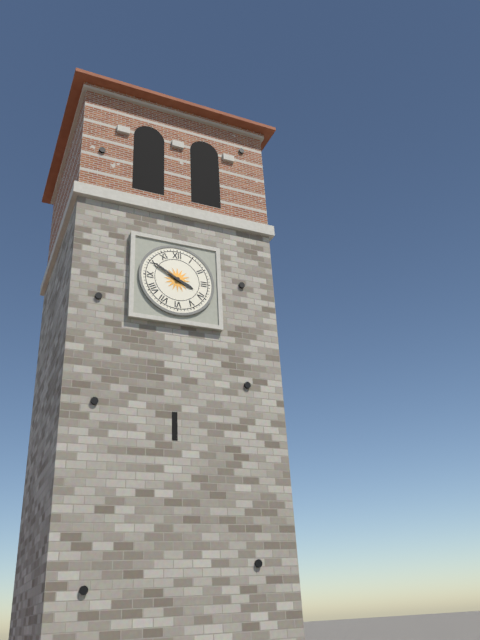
3:50
